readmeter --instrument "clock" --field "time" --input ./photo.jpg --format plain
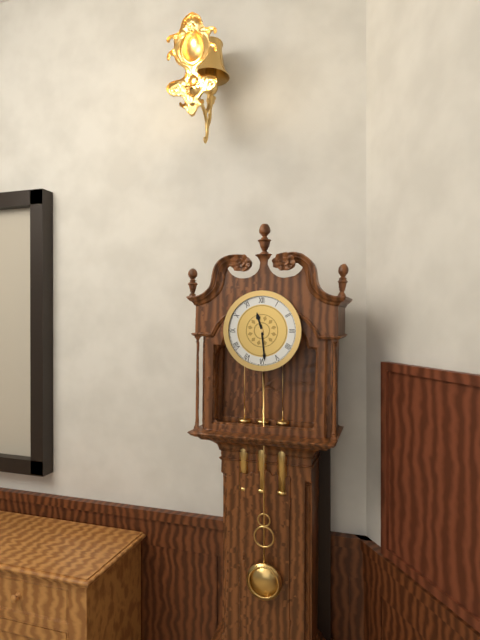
11:29
